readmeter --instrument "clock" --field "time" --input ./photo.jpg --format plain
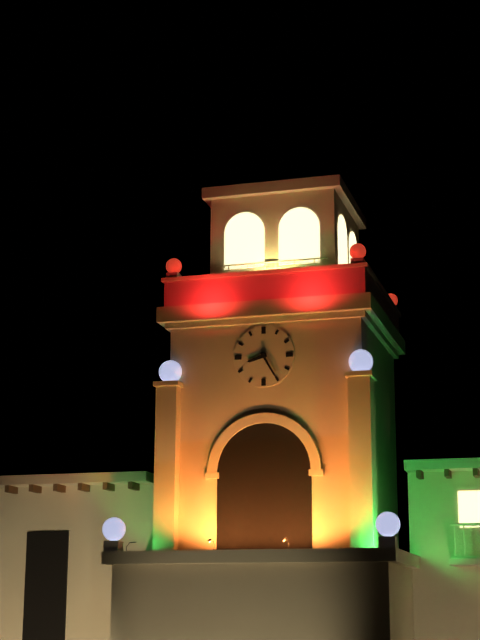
8:25
